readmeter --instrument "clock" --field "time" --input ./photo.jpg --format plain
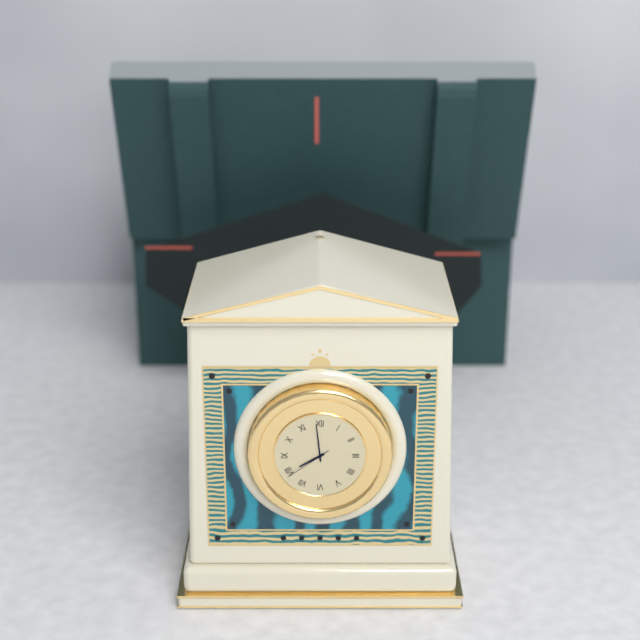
7:59
